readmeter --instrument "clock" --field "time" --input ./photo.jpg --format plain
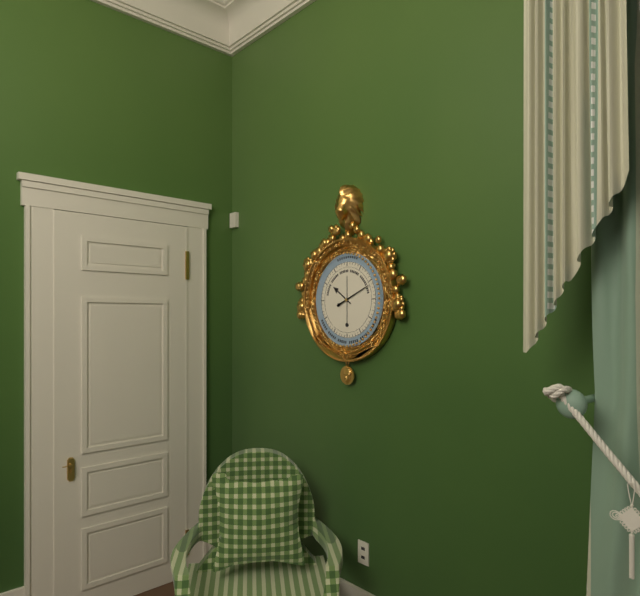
10:11
